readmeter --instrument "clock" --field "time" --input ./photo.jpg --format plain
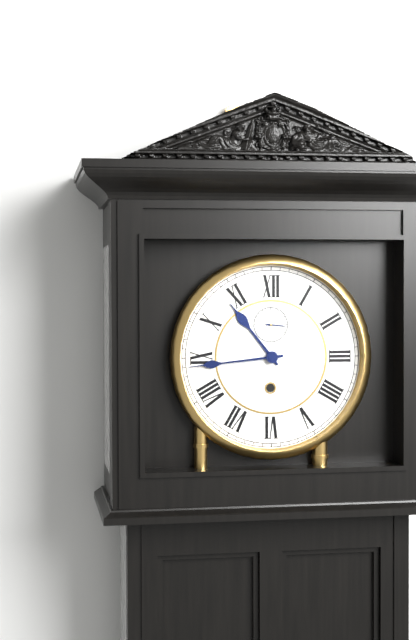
10:44
